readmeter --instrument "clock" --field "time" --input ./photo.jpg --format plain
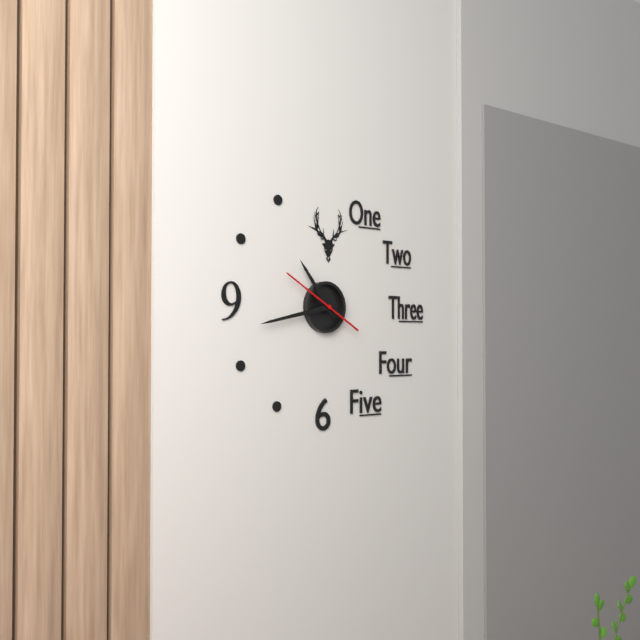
10:43:50
